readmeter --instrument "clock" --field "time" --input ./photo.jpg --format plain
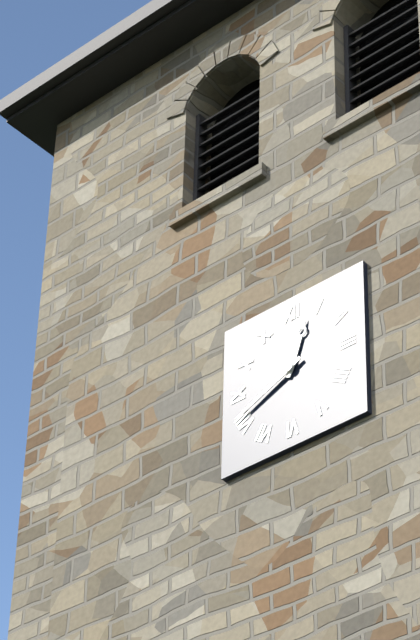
12:41
